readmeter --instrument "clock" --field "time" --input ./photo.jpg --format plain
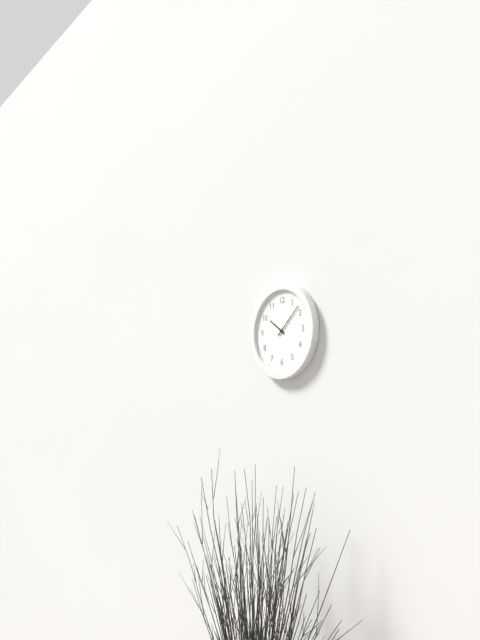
10:08
